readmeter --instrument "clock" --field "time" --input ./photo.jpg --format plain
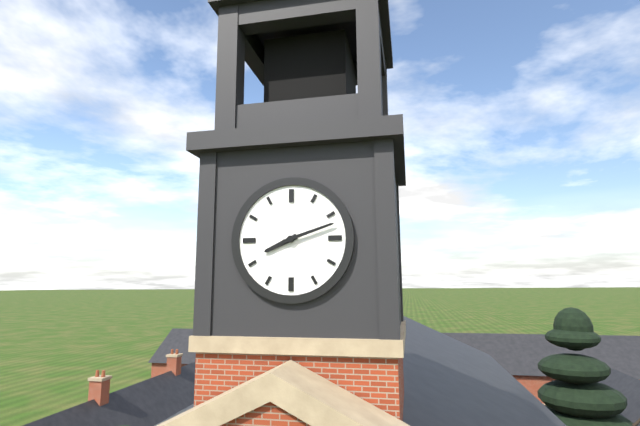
8:12
